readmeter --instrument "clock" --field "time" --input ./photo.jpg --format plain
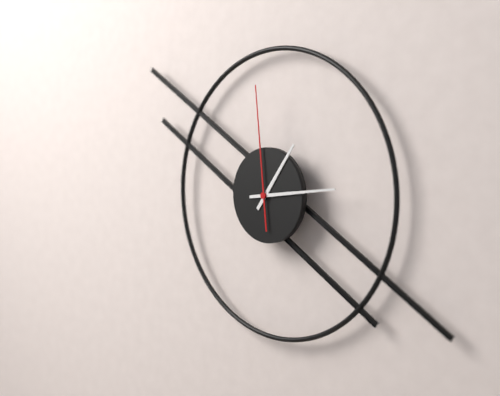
1:14:59
